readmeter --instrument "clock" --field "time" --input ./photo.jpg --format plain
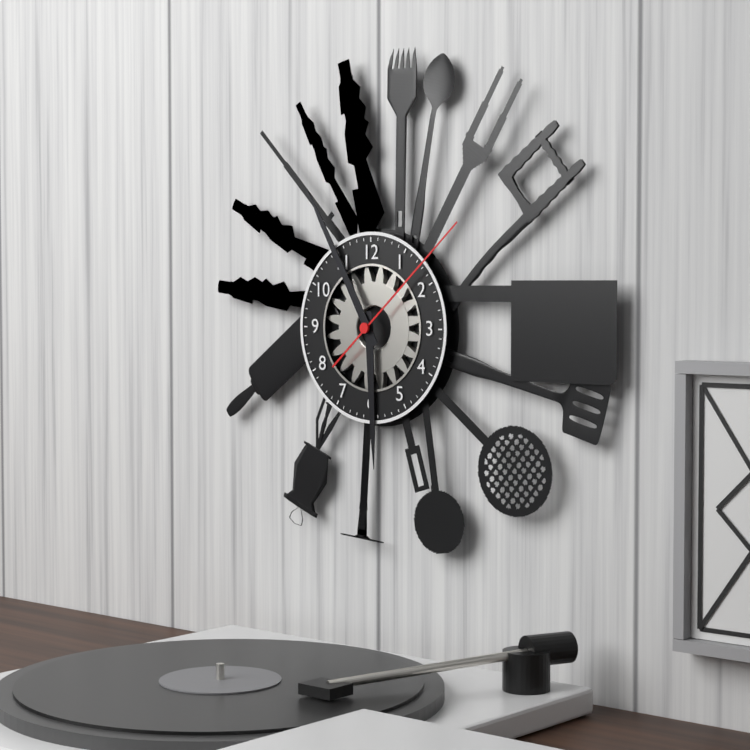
5:55:08
